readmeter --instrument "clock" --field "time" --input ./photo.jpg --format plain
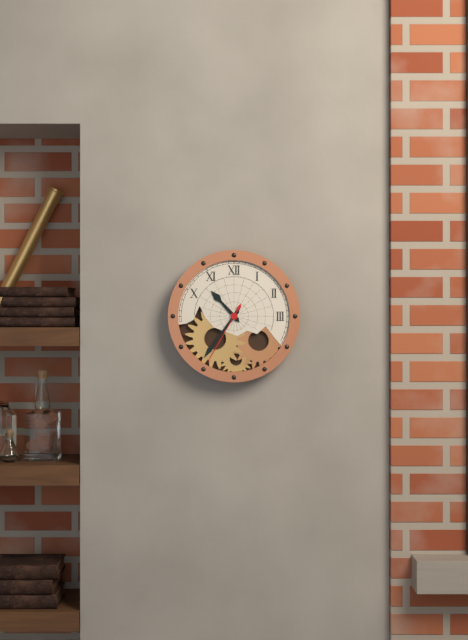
10:36:35
